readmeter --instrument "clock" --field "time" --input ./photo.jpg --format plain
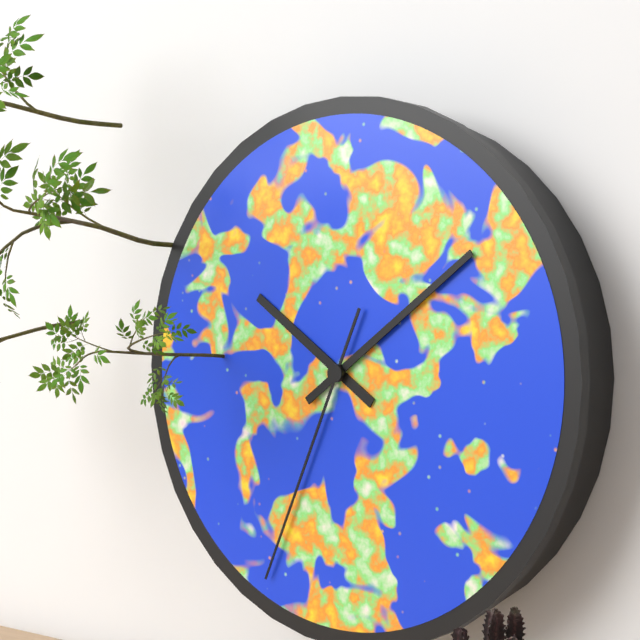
10:09:34
